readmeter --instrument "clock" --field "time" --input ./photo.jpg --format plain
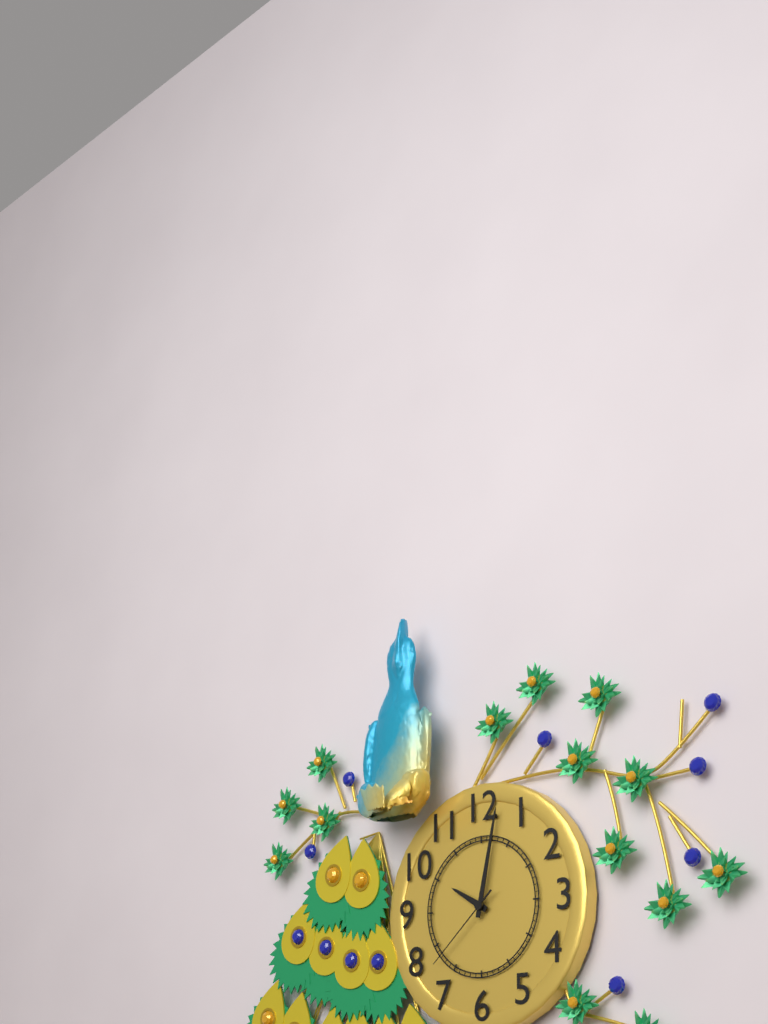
10:02:38
